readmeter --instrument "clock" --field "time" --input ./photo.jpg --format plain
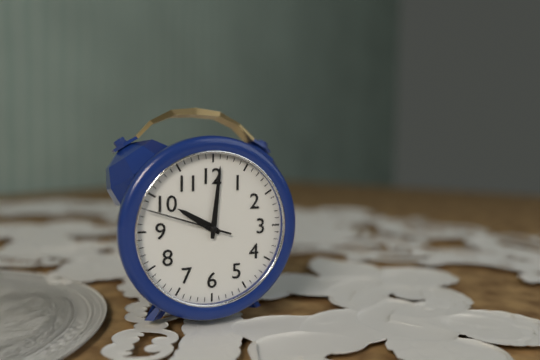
10:01:48
